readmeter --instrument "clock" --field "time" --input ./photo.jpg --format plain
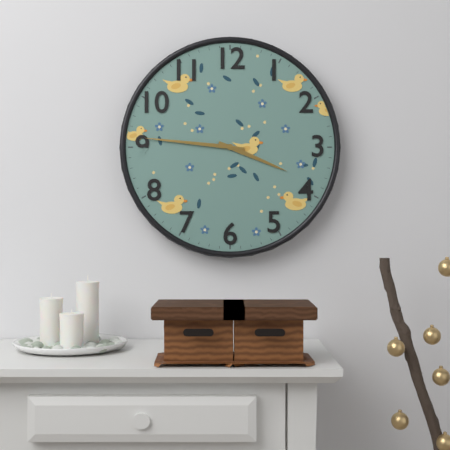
3:46
